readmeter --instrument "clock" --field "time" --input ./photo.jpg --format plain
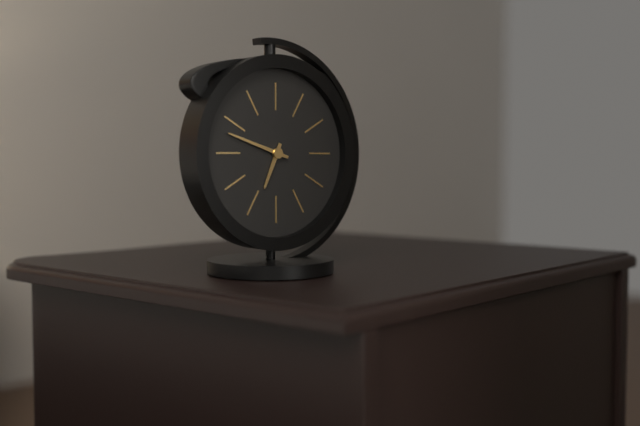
6:48
